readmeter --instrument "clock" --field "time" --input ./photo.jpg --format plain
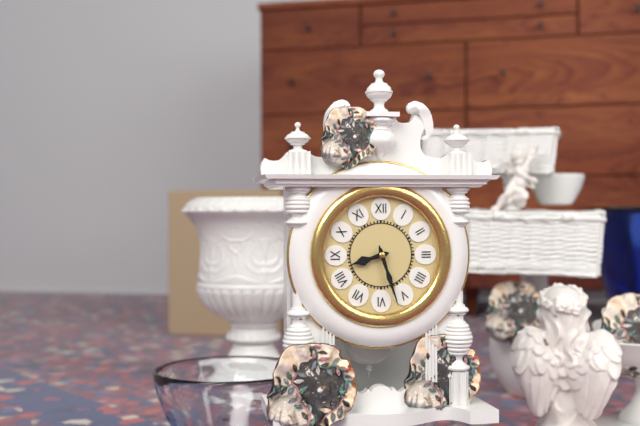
8:27
